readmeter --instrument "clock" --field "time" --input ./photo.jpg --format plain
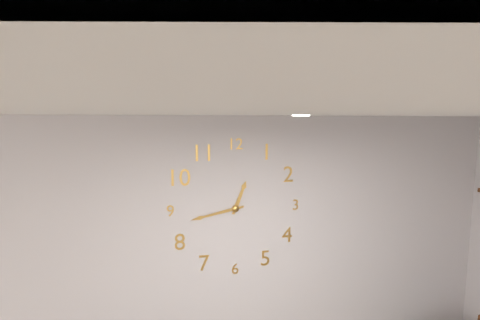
12:43
